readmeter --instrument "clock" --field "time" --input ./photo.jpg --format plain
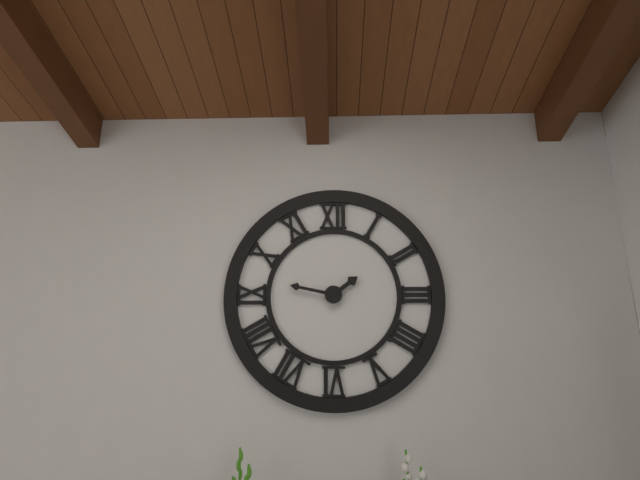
1:47
